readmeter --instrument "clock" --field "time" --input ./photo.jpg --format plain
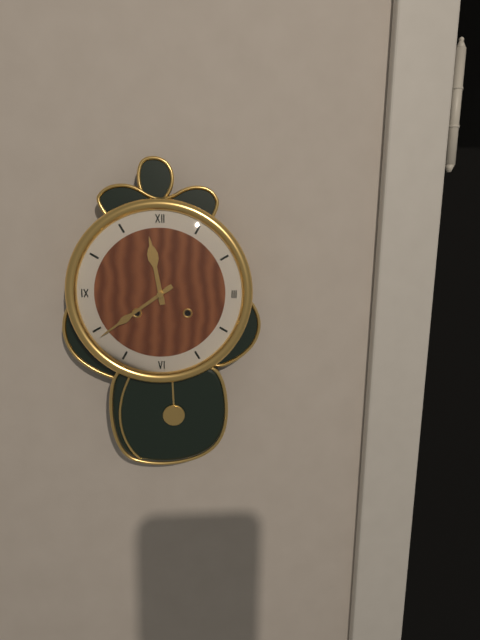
11:39
